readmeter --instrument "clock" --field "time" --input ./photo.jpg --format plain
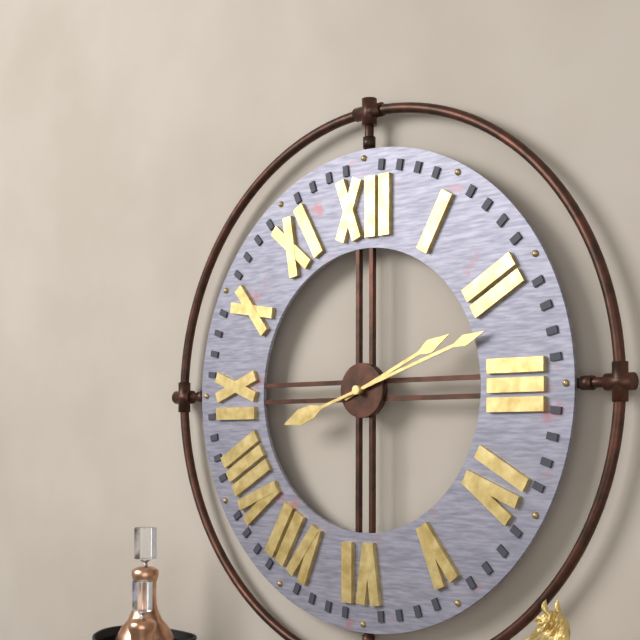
2:12
